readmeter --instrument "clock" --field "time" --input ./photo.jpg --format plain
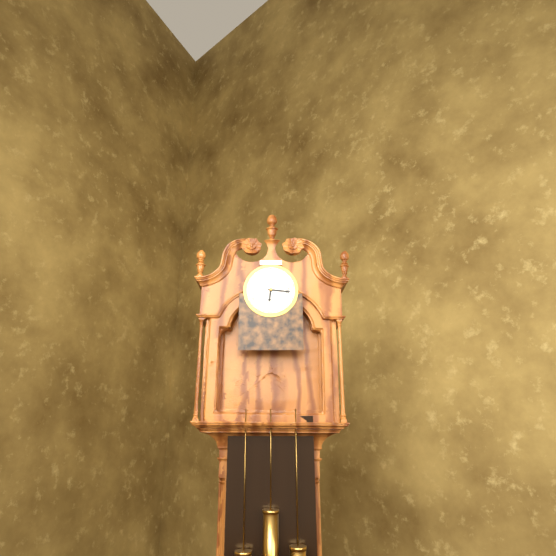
6:16
